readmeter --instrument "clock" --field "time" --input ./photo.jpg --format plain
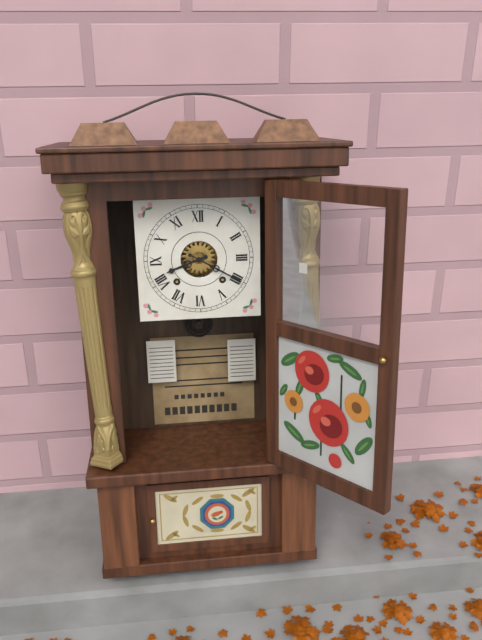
8:20
